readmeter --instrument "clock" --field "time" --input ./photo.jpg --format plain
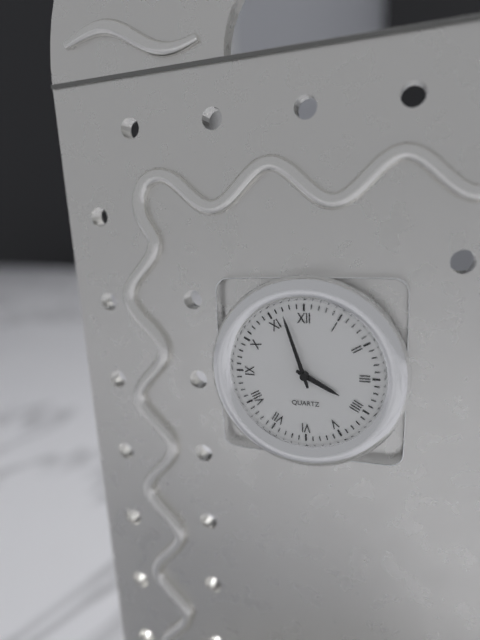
3:57
